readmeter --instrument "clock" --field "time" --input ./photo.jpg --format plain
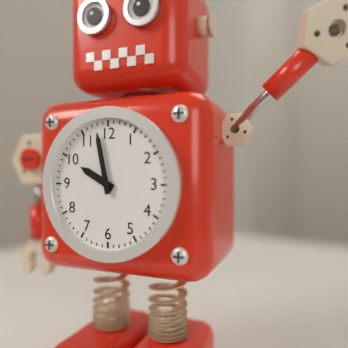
9:58
